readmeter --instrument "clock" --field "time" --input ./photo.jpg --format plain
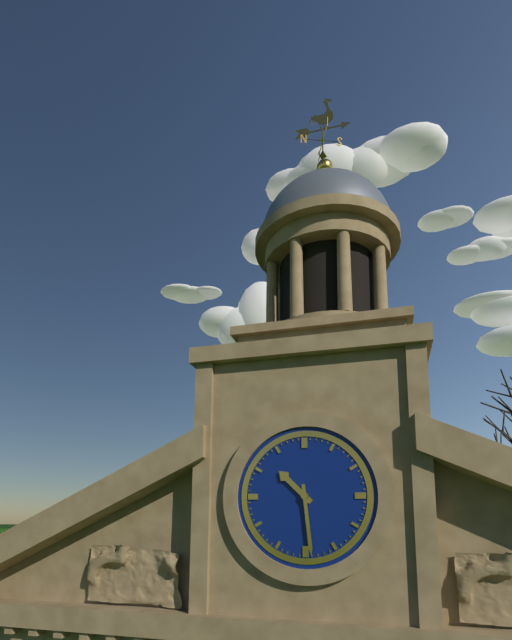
10:29
